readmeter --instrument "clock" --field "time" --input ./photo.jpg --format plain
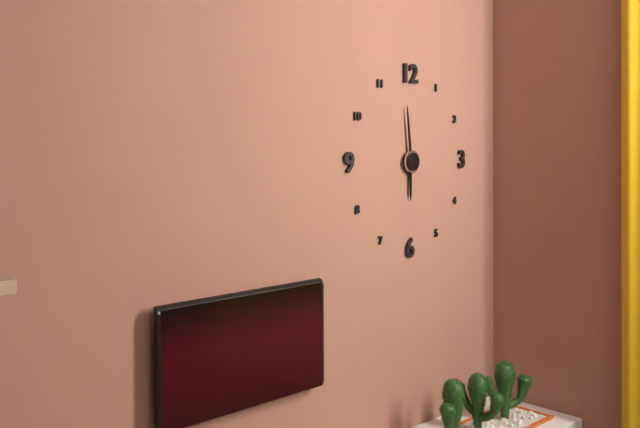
5:59
